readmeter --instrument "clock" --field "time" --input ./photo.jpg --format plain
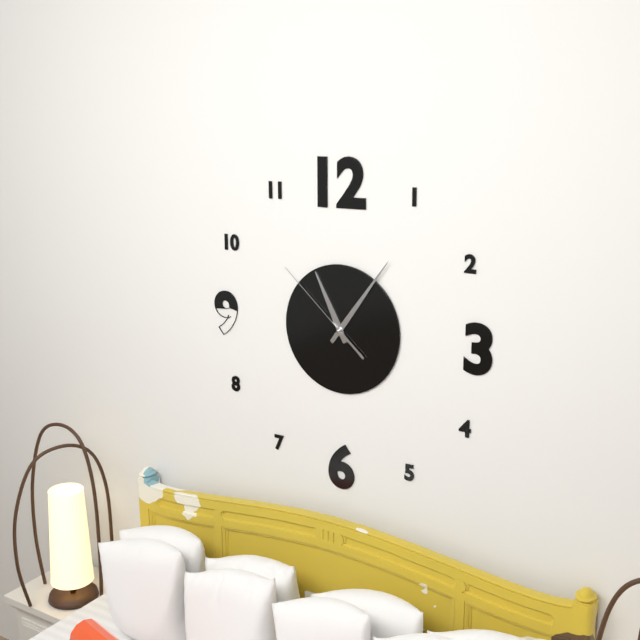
11:06:52
